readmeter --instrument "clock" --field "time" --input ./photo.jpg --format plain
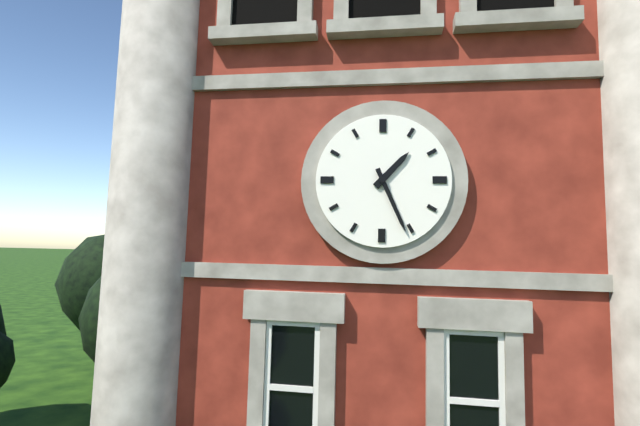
1:26
